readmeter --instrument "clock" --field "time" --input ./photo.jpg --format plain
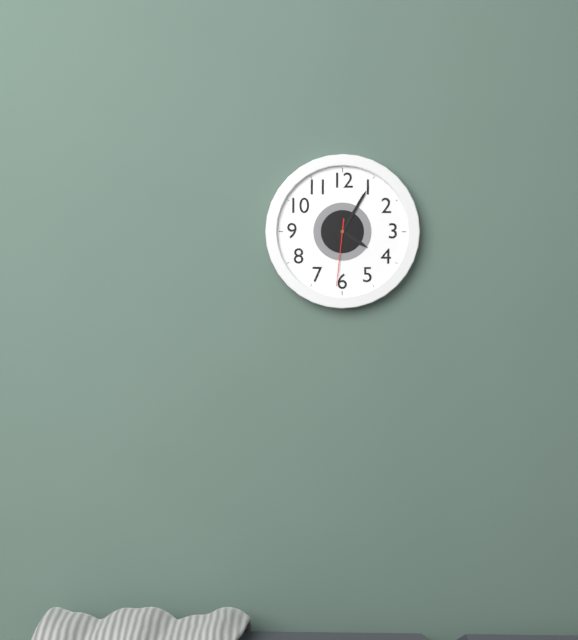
4:05:31
